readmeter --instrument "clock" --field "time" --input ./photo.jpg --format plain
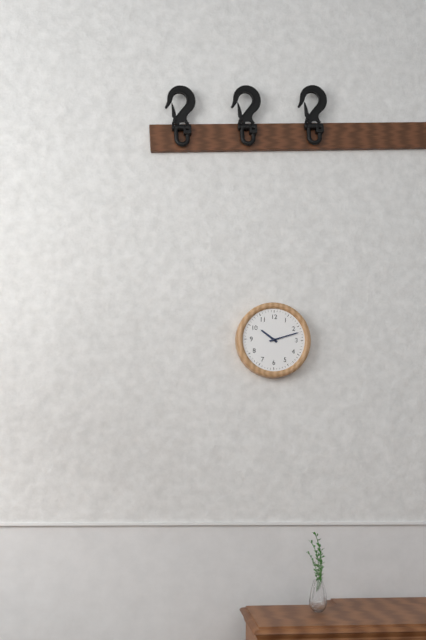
10:12
